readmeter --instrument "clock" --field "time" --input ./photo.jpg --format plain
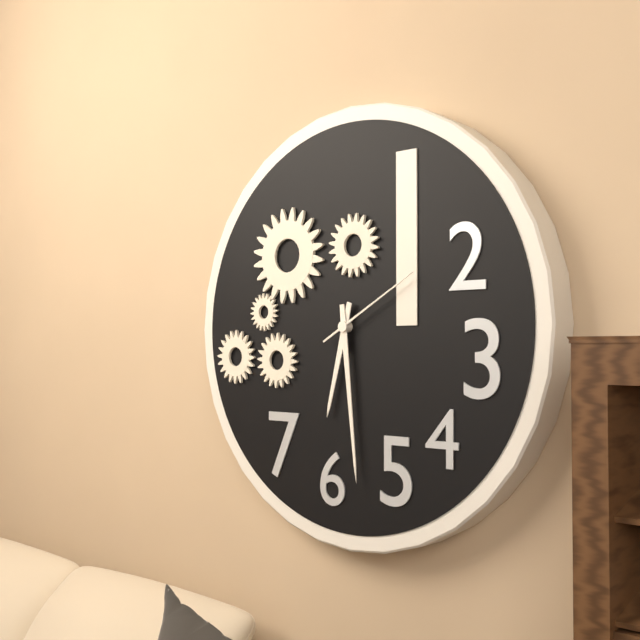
6:29:10
